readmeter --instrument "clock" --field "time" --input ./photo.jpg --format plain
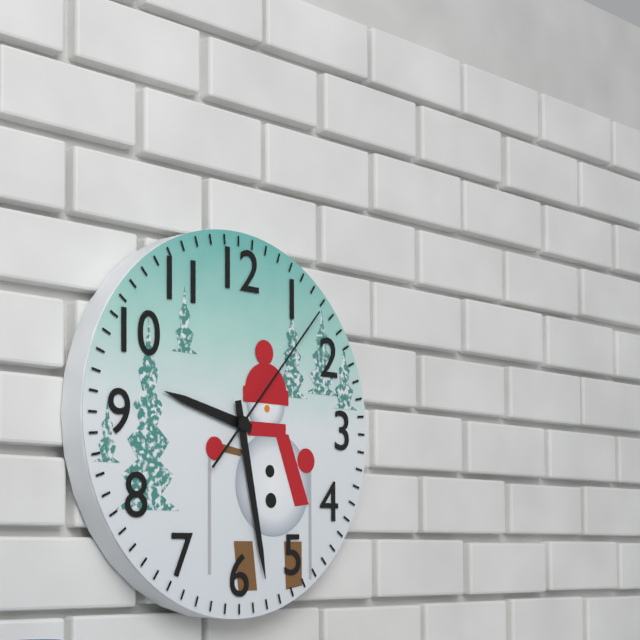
9:28:07
